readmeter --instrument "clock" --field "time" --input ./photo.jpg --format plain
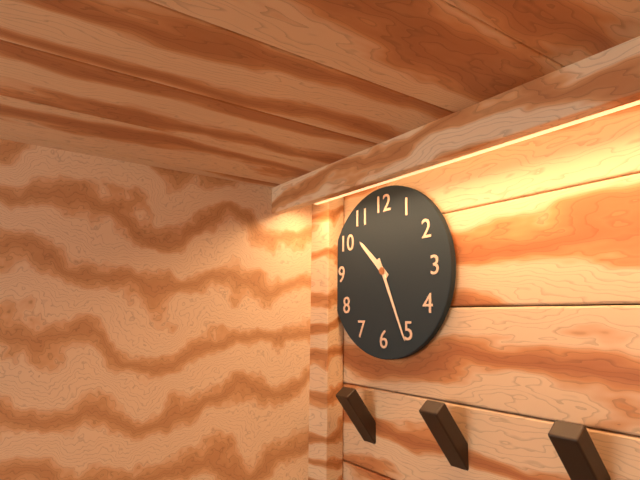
10:26
